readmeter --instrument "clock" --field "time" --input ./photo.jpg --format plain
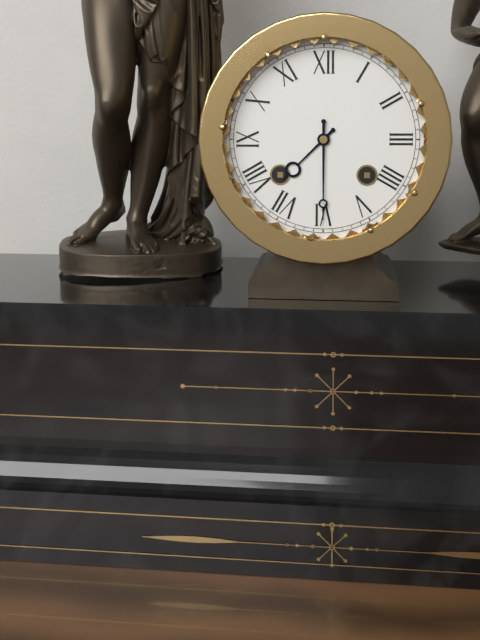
7:30
